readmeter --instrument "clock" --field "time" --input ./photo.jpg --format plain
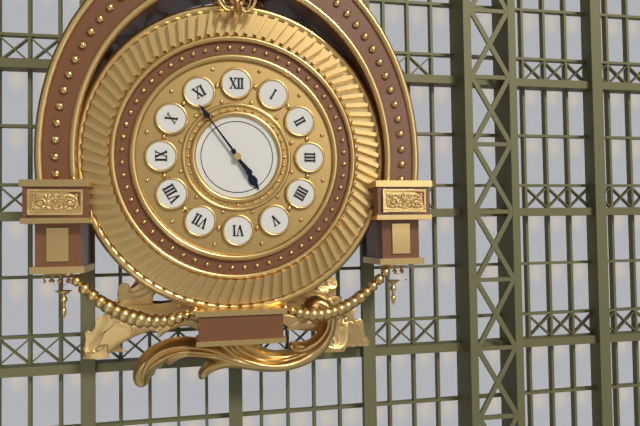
4:54
